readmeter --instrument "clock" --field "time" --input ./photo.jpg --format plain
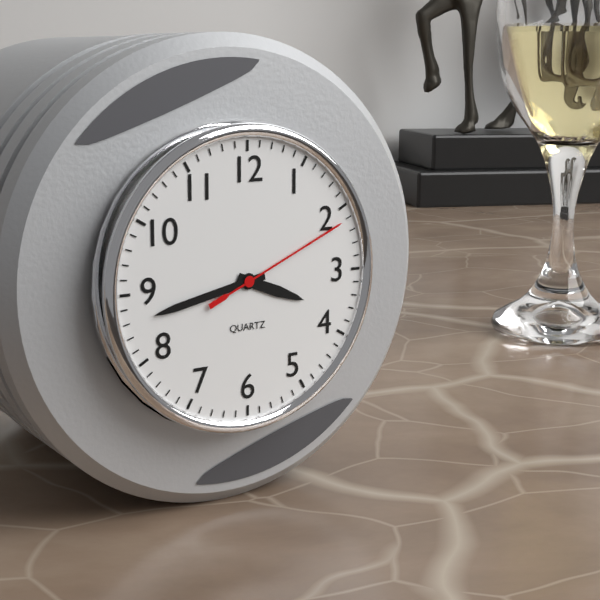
3:43:11
